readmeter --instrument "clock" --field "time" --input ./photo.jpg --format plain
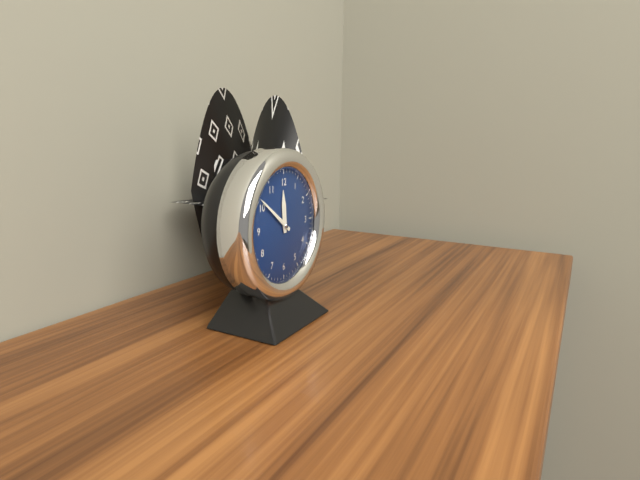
11:51
